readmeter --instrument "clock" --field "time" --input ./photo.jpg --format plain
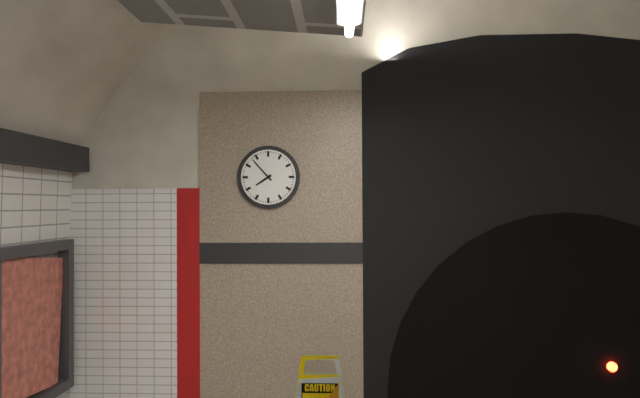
7:53
